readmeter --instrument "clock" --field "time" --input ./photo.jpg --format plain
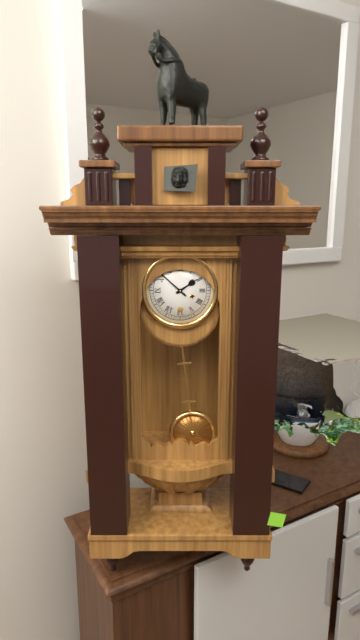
1:52
